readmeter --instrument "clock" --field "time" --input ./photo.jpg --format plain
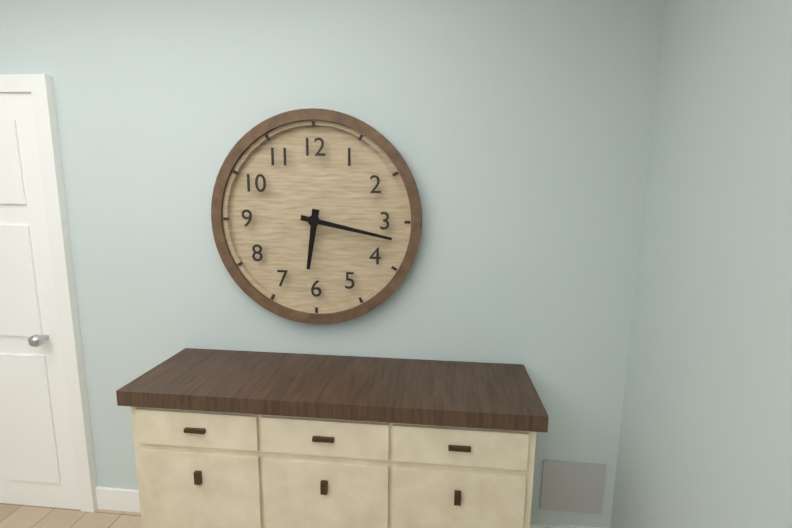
6:17
